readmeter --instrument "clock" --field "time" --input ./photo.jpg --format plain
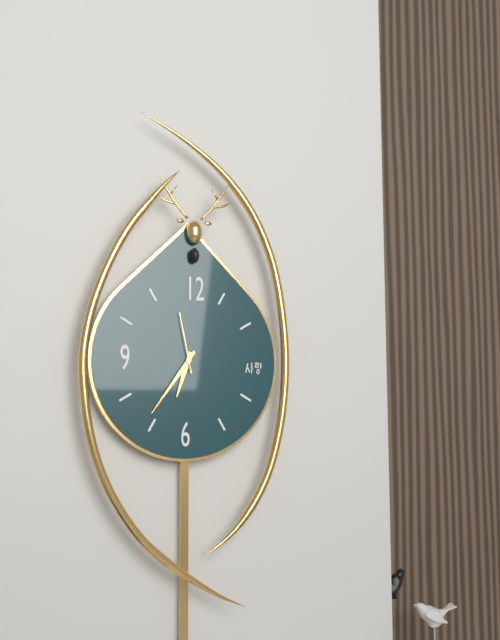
6:36:58
